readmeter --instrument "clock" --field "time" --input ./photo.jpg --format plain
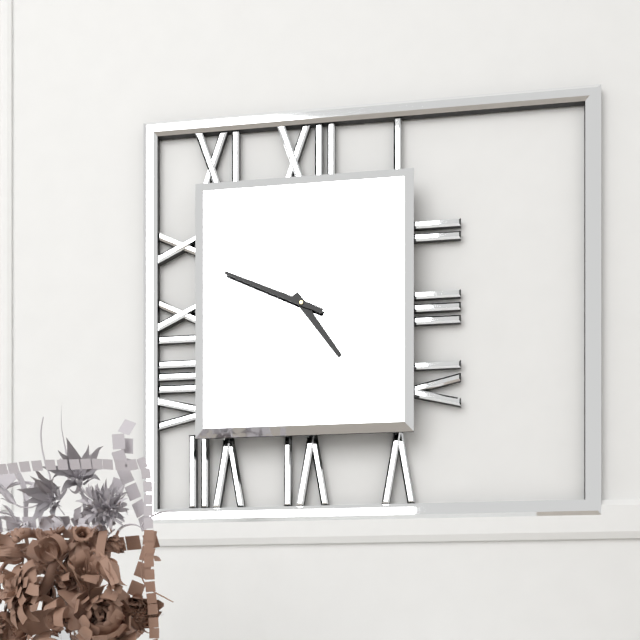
4:49
